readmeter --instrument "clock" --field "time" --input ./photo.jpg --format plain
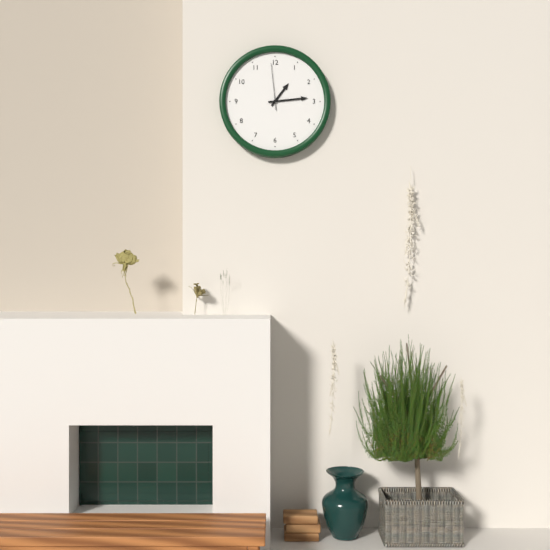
1:14
